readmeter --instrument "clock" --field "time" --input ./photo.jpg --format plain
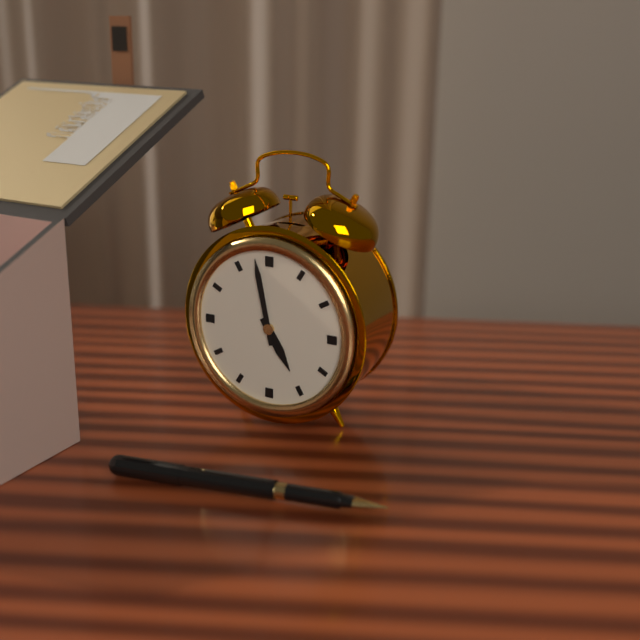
4:58
